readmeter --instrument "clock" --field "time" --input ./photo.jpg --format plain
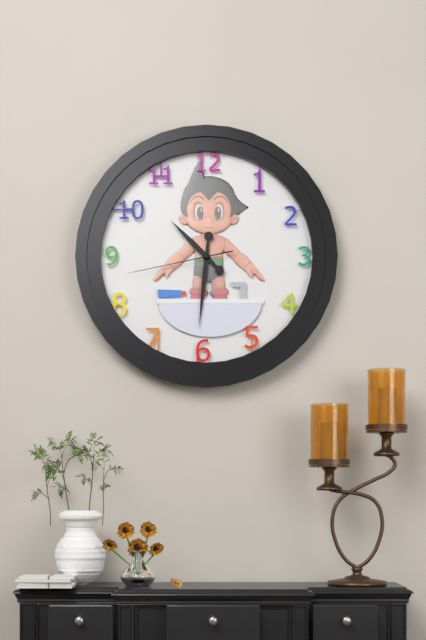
10:31:43
